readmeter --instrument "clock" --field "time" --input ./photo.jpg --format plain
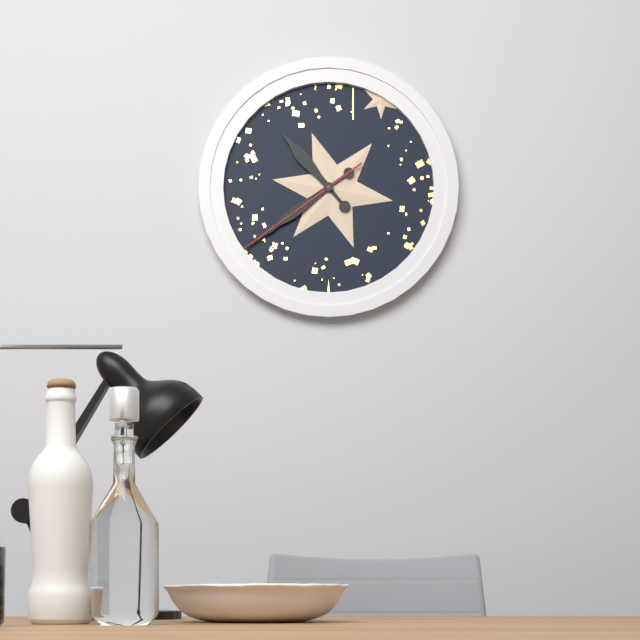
10:39:39
